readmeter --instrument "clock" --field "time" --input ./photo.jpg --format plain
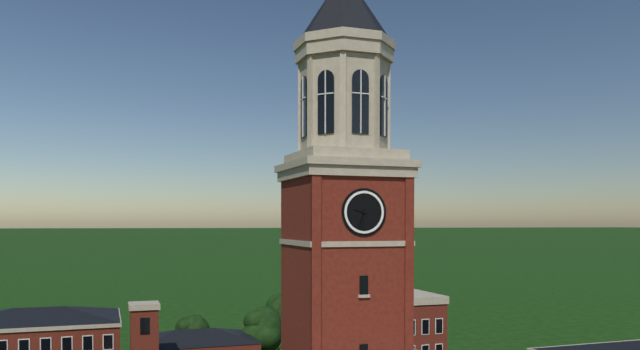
9:33
